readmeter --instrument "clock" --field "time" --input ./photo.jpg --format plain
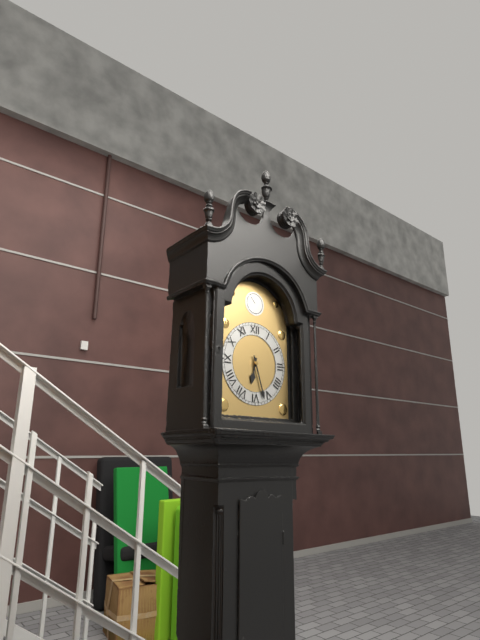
6:27
